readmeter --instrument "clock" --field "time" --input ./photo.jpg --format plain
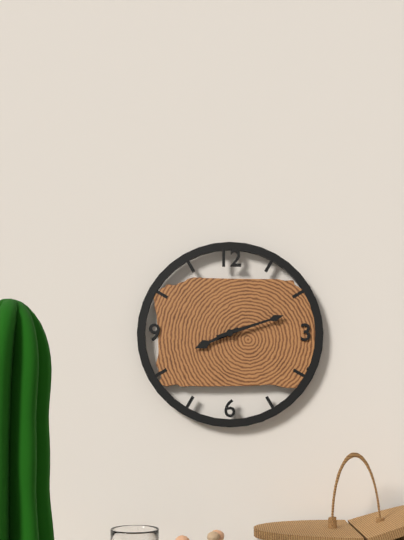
8:12
